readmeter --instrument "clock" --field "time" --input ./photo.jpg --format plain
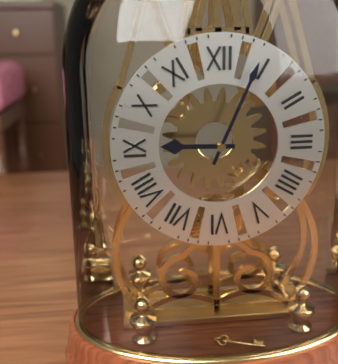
9:04
